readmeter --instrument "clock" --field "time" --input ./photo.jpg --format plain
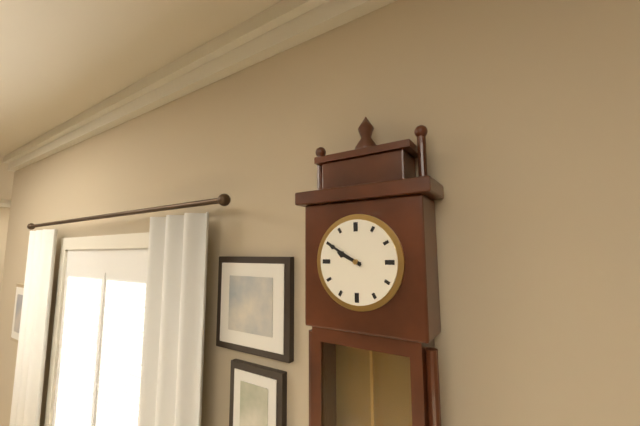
9:50
